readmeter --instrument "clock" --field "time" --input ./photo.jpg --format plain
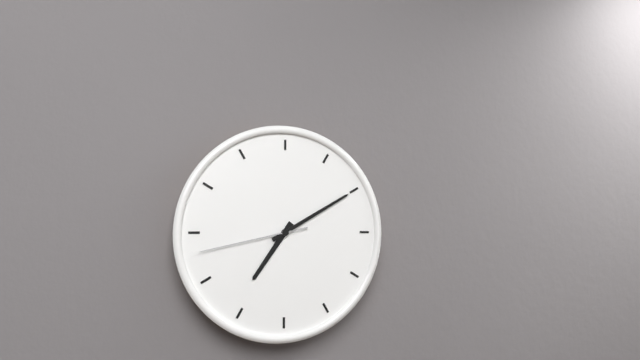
7:10:43
